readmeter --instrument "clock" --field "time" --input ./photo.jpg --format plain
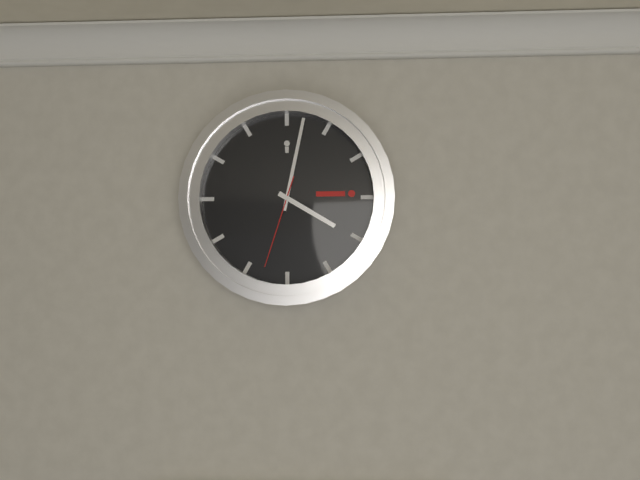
4:02:33
